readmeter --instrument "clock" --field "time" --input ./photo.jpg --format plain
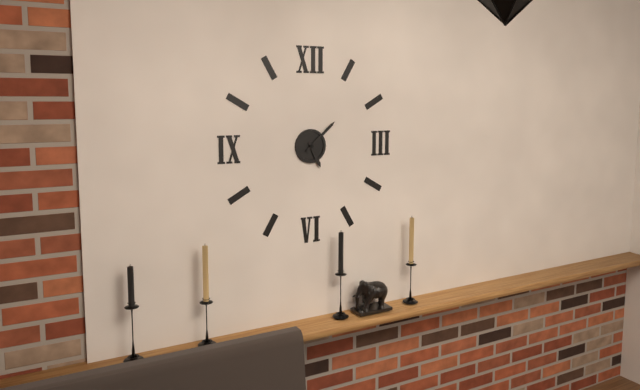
5:08
